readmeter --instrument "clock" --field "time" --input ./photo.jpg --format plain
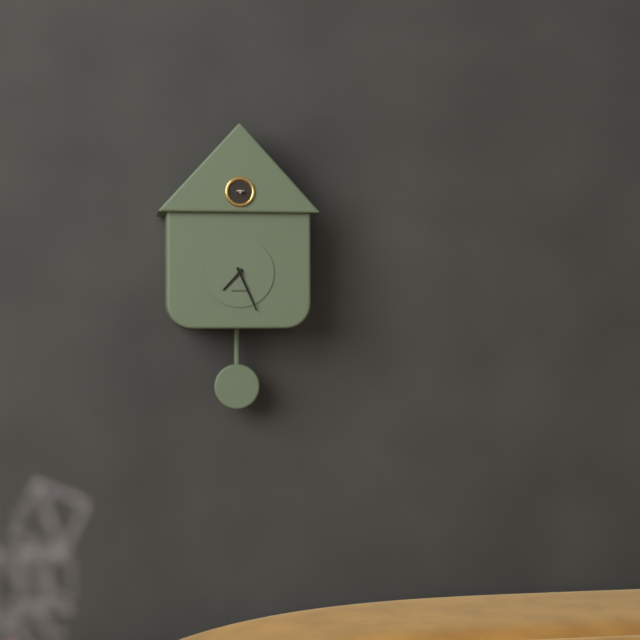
7:26
